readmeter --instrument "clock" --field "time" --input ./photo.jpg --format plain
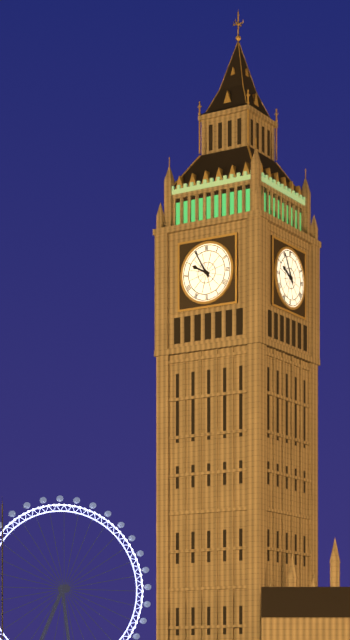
9:55
